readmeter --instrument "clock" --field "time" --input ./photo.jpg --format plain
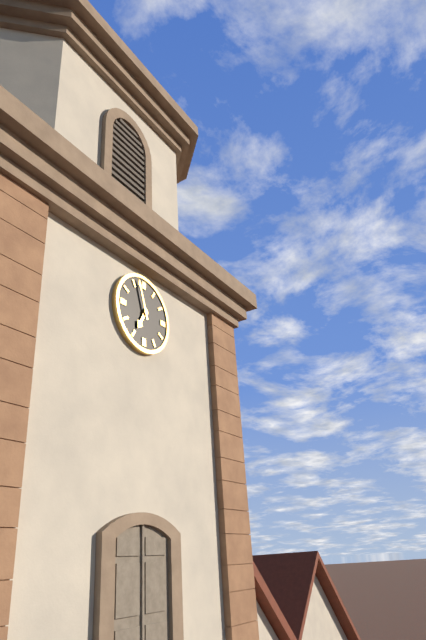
6:57
